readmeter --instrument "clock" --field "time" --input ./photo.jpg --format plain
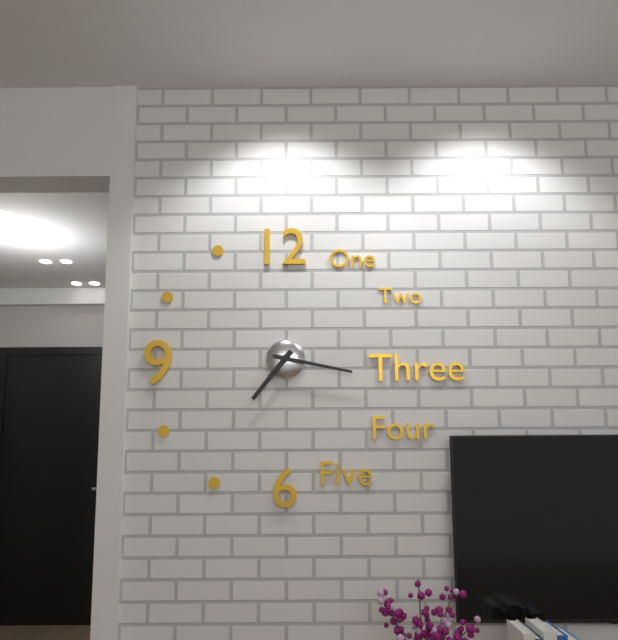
7:17
